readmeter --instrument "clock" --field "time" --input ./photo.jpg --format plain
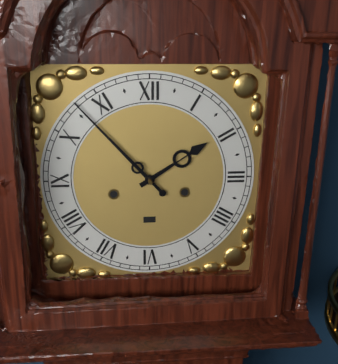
1:53
